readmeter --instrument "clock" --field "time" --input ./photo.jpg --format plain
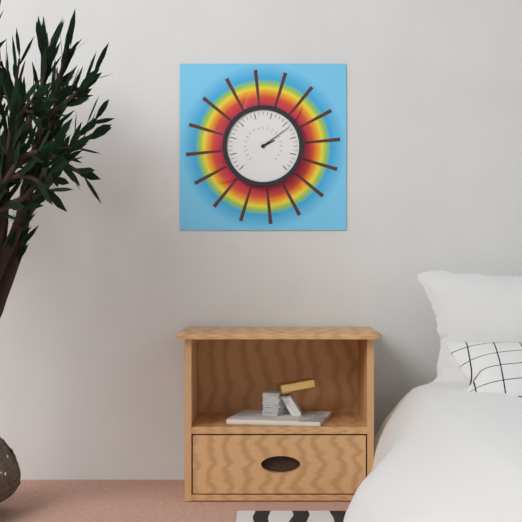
2:09
